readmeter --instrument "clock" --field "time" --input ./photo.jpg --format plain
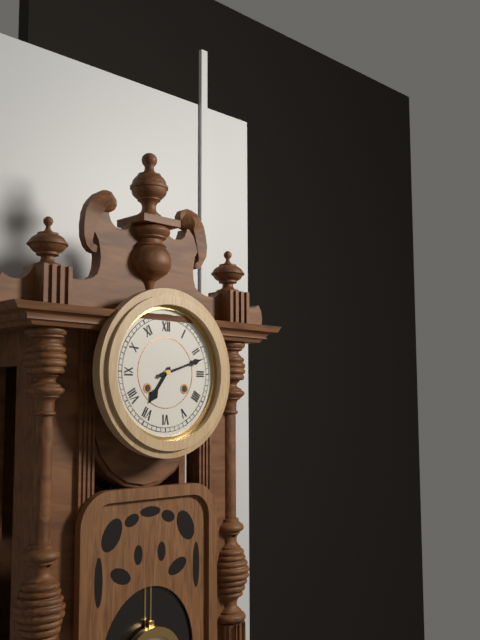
7:12
